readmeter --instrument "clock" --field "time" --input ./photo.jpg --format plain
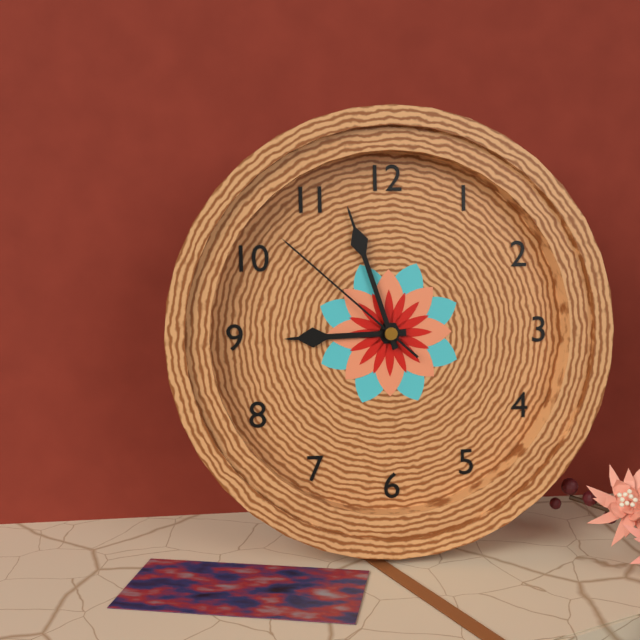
8:57:52
